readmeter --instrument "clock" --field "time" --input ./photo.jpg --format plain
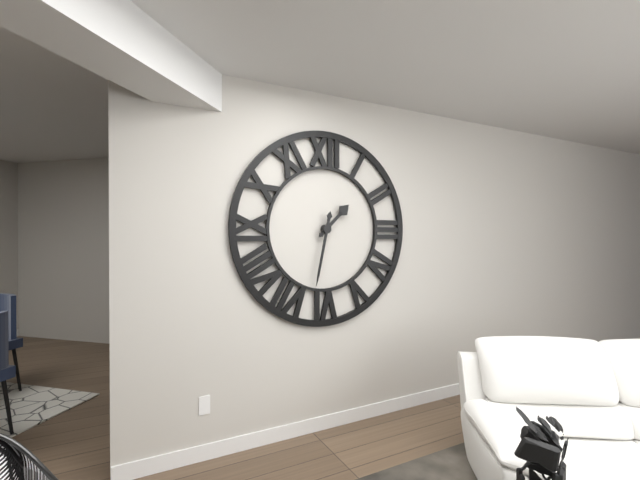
1:32
